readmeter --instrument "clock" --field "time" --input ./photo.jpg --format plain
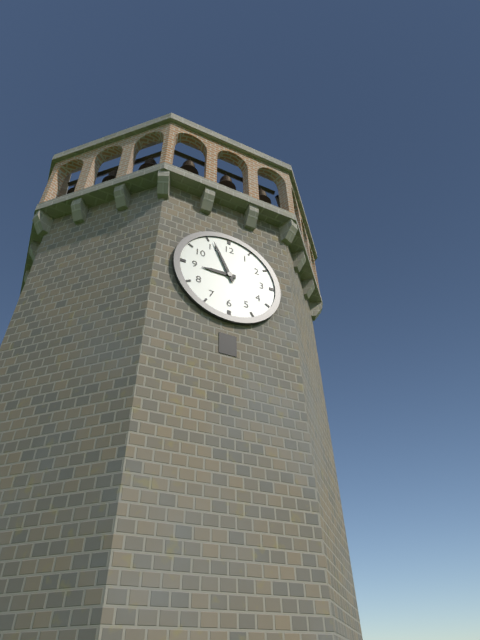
8:56
